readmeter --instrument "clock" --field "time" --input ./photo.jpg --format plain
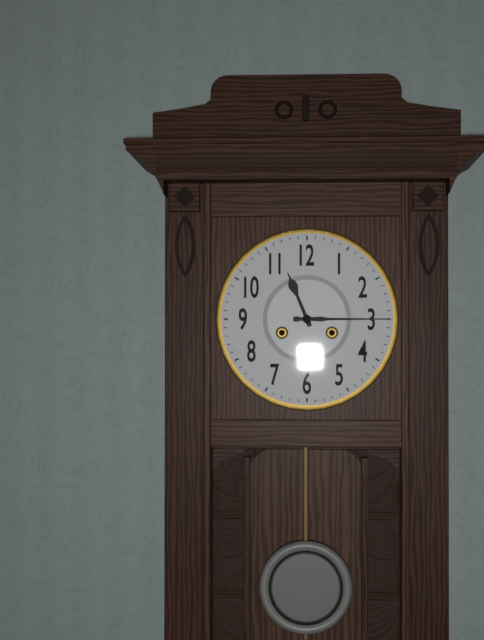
11:15
